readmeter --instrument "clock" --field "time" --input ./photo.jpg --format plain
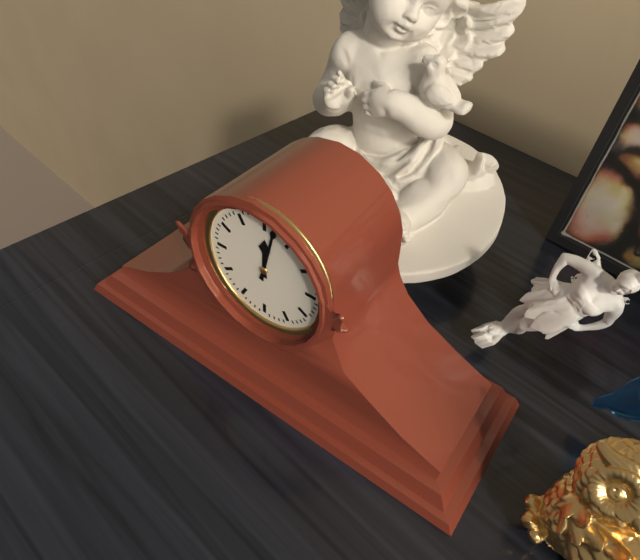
12:02
